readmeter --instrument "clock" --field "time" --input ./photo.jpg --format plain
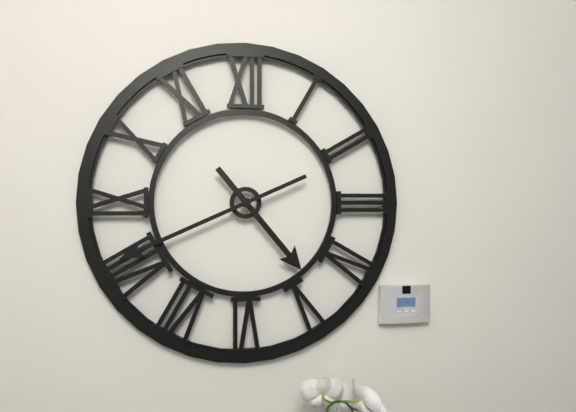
4:41
